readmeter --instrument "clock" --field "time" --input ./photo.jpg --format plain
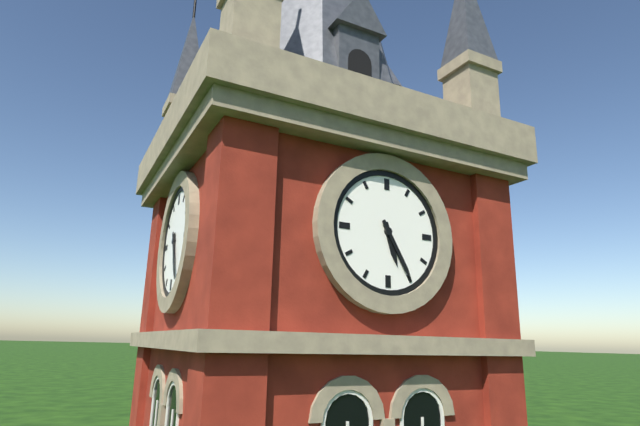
5:25
